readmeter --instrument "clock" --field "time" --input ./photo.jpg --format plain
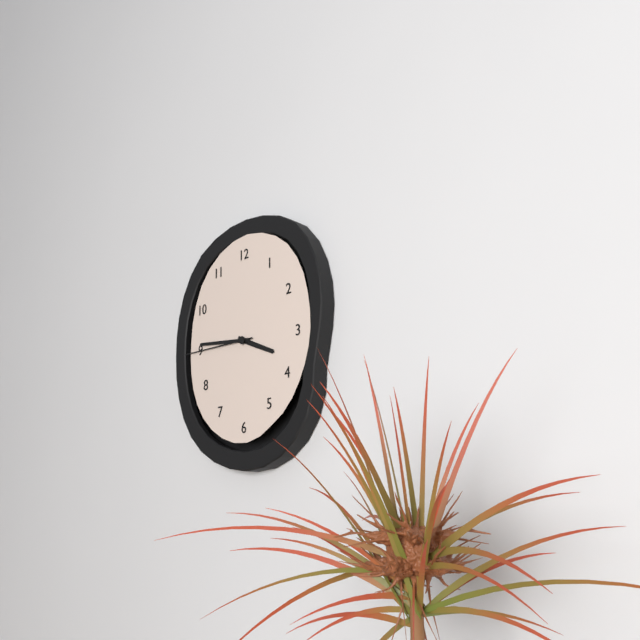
3:46:45
